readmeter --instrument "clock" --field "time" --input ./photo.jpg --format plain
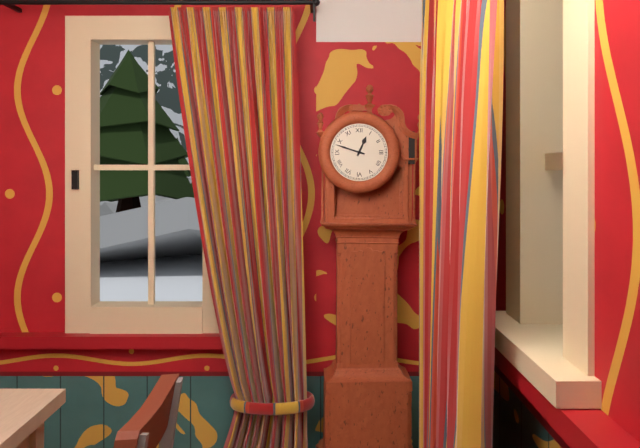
12:48
